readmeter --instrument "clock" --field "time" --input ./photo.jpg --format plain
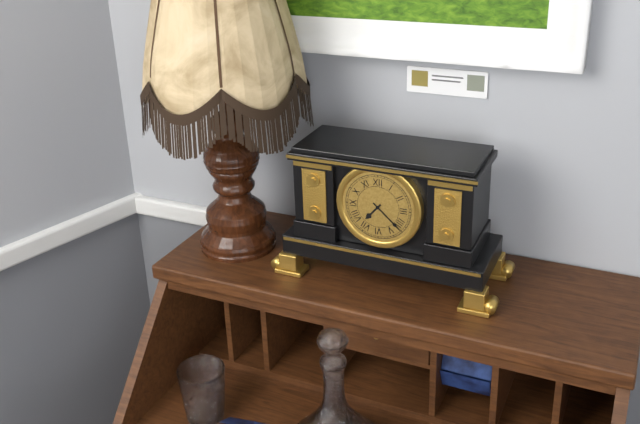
7:22
